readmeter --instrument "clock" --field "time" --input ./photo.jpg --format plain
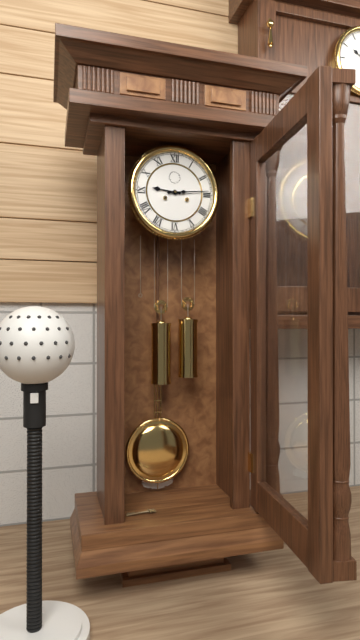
9:14
